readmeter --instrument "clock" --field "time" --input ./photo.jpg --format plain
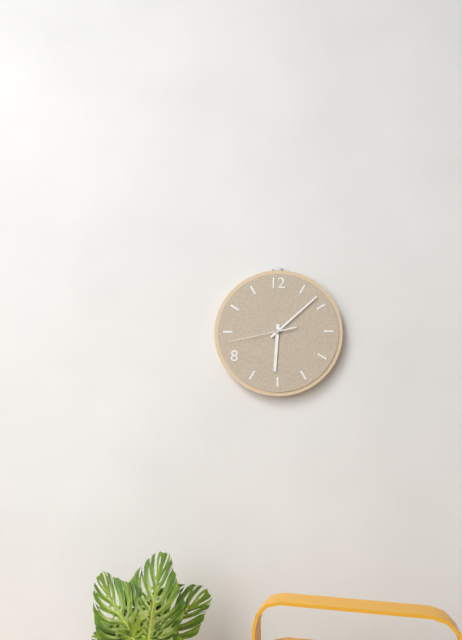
6:08:43
